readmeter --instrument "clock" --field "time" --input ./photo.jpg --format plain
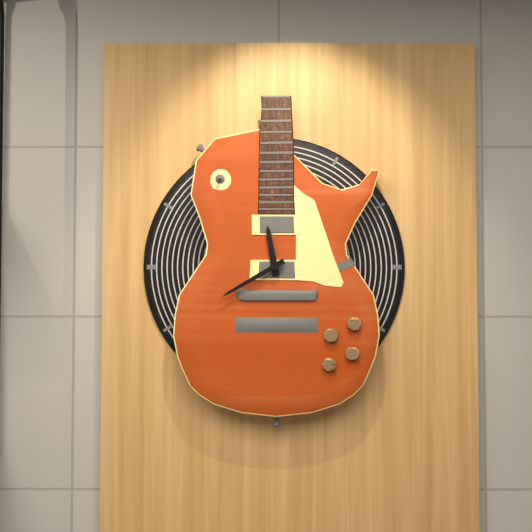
11:40
